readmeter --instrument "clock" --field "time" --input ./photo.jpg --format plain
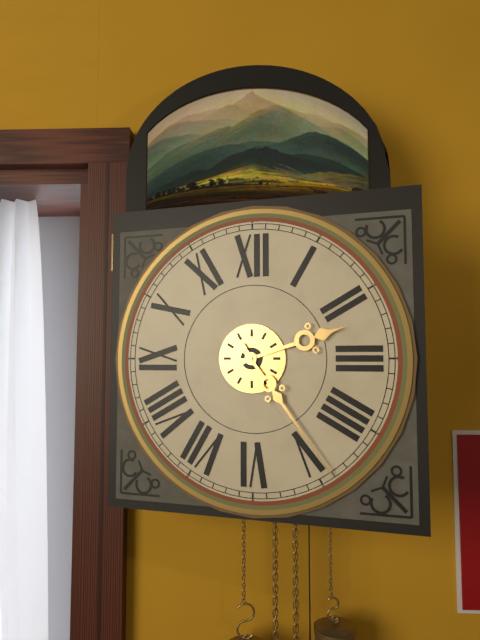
2:24
